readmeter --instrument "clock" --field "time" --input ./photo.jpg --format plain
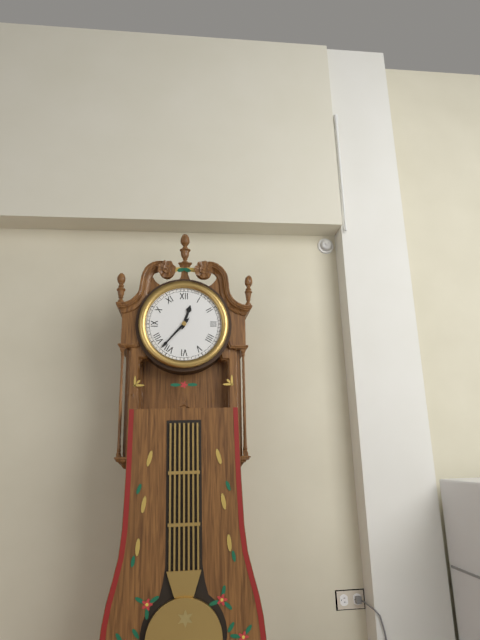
12:37
